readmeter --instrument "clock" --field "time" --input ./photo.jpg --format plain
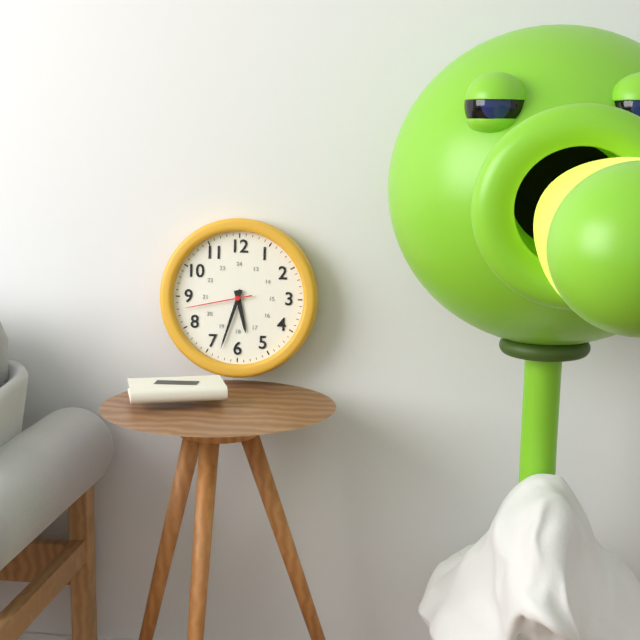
5:33:43
